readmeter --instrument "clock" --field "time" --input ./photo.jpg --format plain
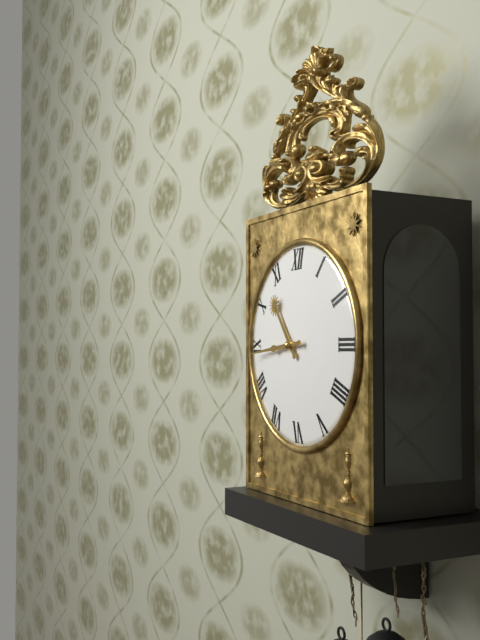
10:44
